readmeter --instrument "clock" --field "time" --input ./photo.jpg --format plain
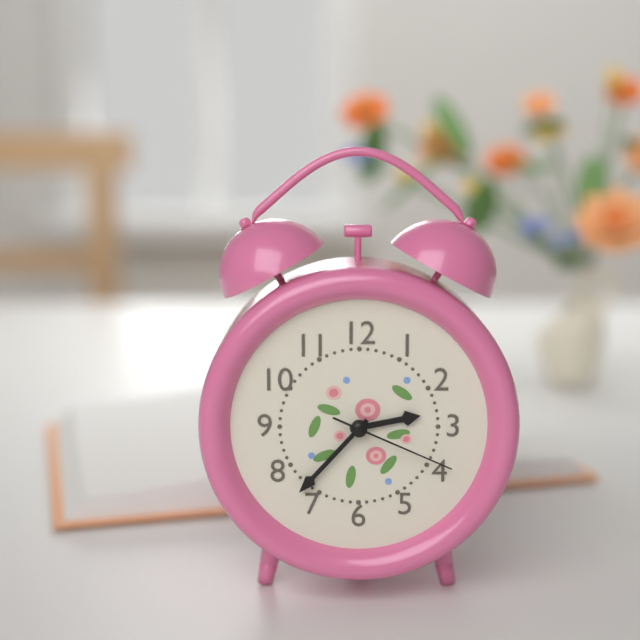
2:37:19
